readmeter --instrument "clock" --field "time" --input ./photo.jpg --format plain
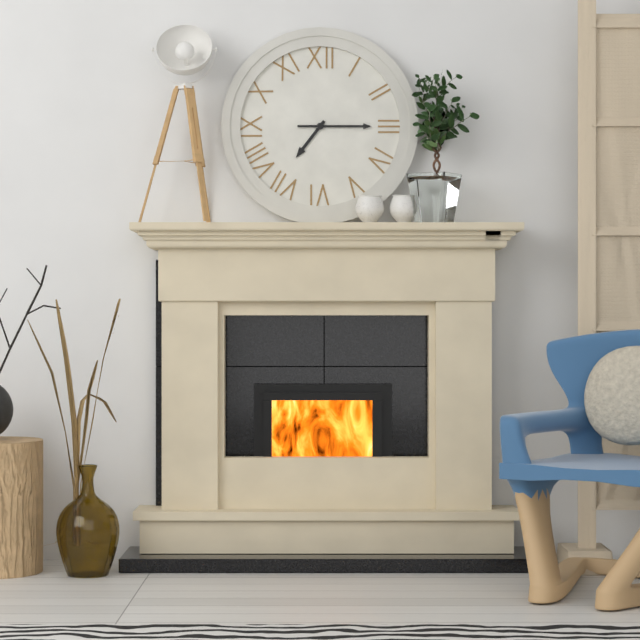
7:15
